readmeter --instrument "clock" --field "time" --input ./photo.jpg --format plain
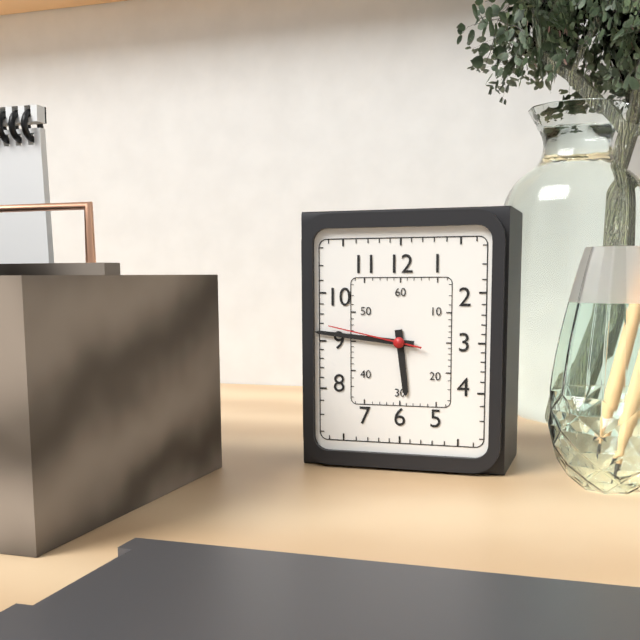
5:46:47
